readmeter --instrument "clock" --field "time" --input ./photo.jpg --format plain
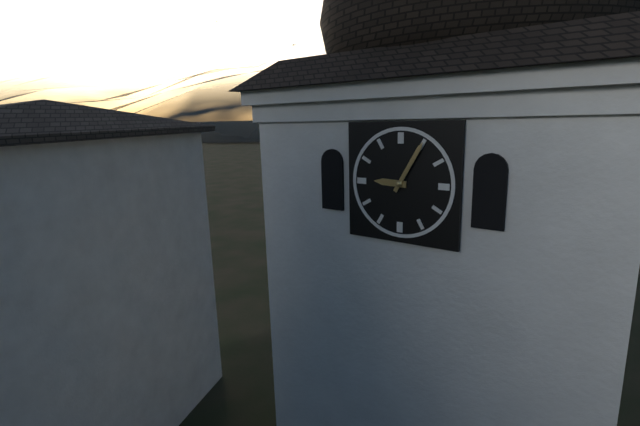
9:05
